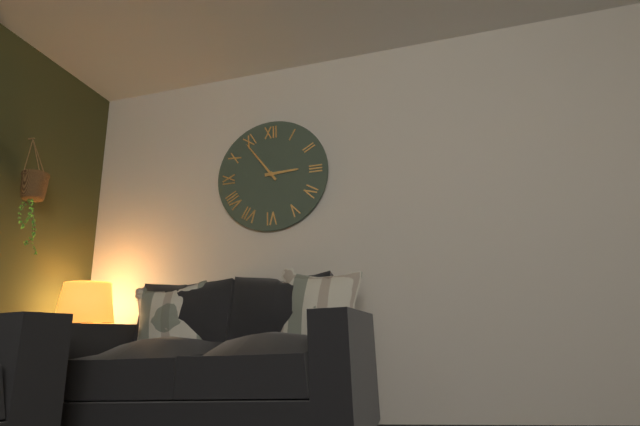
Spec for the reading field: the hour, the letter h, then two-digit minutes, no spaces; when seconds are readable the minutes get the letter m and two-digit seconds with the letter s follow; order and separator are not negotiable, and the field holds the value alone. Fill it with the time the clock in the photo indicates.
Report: 2h54
